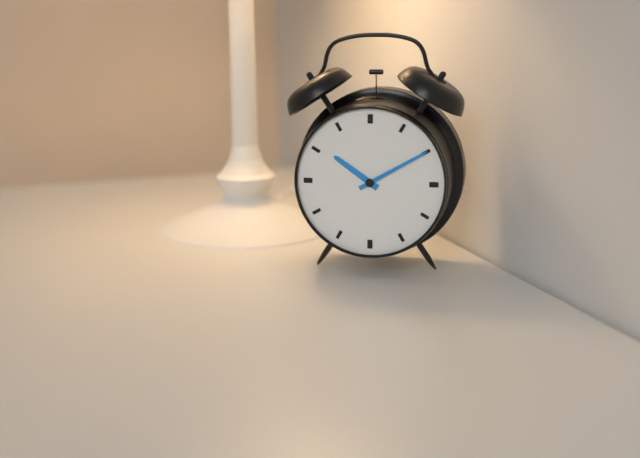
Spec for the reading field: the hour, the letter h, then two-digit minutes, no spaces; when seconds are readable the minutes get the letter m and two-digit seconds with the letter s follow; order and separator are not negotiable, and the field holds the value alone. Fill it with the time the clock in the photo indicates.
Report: 10h10
